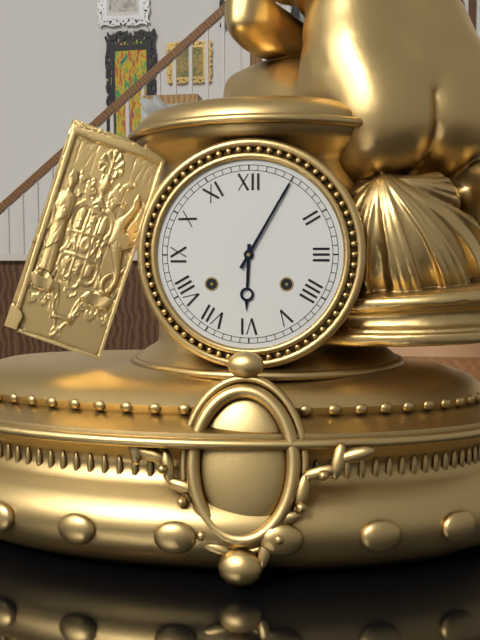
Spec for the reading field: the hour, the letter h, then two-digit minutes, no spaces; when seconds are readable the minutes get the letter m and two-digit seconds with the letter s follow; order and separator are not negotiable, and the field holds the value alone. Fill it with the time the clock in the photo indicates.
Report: 6h05
